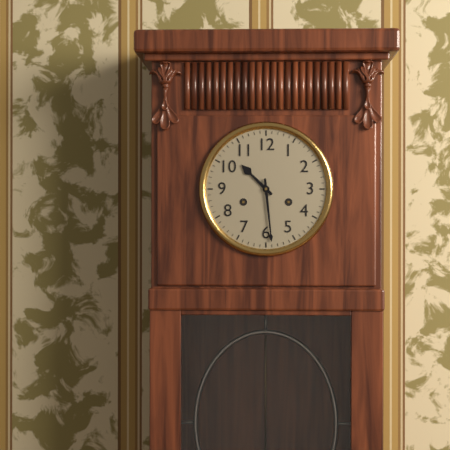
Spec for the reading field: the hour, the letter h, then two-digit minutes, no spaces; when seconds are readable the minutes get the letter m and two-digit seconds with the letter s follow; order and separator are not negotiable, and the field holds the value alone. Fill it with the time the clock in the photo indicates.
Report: 10h29
